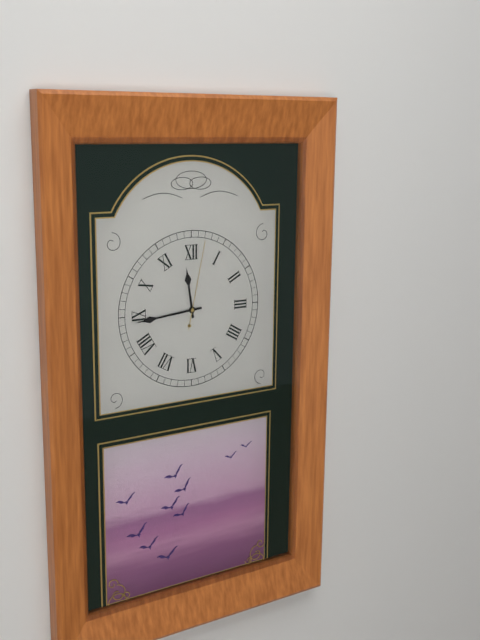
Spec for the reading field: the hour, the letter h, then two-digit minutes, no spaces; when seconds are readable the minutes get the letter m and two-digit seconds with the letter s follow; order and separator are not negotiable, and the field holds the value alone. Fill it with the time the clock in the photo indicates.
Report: 11h44m02s
